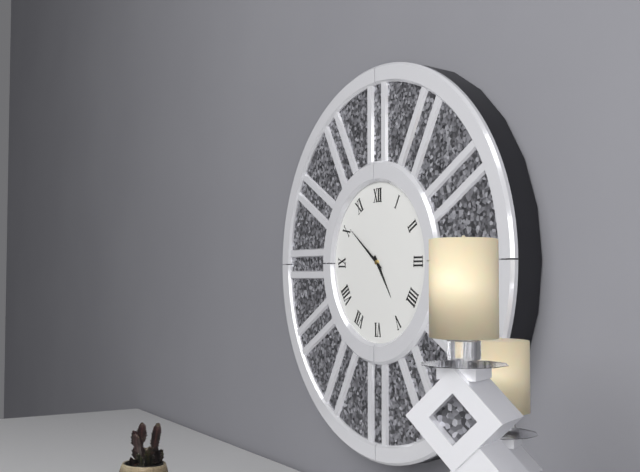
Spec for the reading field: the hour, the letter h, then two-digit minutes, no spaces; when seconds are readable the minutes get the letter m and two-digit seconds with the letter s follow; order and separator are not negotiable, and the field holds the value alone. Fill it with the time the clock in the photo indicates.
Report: 4h51
